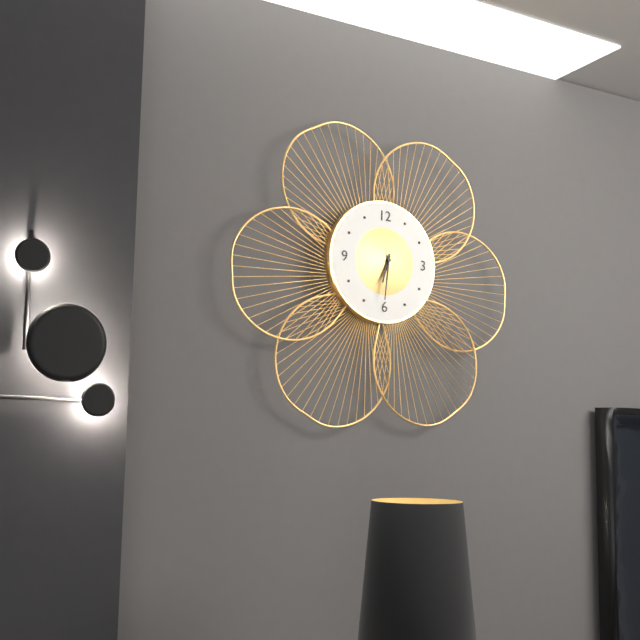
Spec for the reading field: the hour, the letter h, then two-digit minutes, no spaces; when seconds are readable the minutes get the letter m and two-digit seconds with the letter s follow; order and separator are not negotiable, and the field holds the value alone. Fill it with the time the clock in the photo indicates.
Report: 6h31
